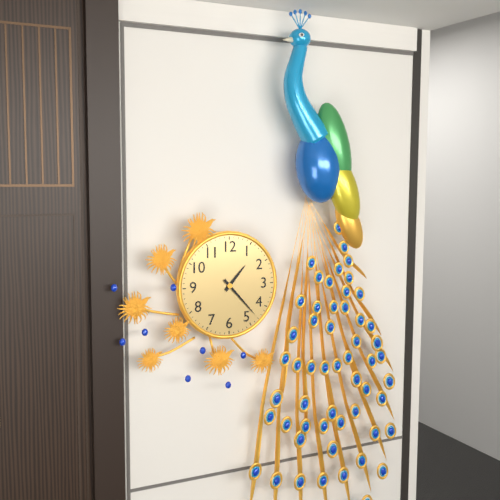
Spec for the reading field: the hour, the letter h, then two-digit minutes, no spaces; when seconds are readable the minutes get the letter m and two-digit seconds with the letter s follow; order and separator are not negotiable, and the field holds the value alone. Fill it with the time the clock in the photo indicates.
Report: 1h23
